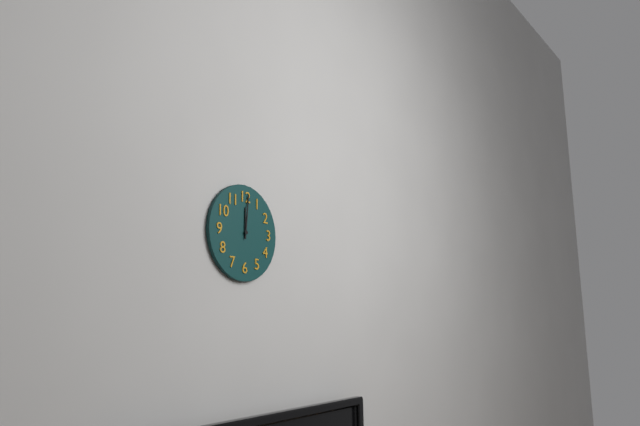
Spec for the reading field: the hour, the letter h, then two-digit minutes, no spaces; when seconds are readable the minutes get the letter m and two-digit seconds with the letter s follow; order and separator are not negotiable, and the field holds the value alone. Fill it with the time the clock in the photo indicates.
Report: 12h01
